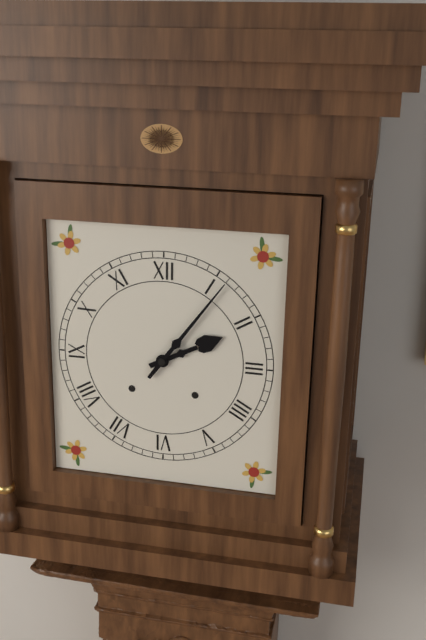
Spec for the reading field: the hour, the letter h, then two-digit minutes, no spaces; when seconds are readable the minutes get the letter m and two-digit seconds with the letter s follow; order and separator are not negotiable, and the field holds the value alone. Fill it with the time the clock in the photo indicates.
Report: 2h06
